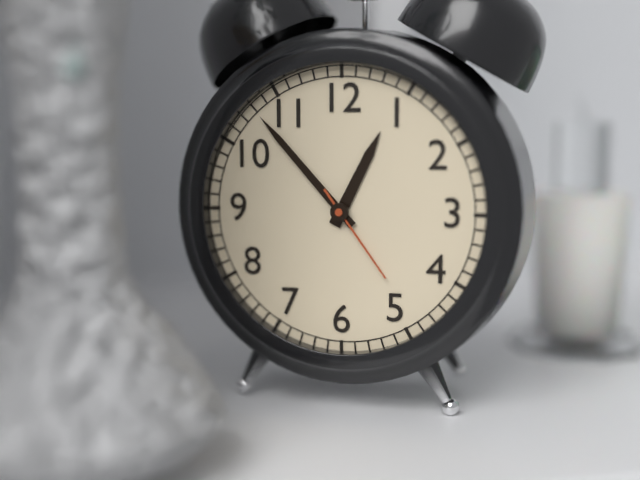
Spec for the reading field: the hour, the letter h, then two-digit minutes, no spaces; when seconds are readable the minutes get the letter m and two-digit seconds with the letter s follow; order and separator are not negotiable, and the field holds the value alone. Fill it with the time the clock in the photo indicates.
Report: 12h53m24s
